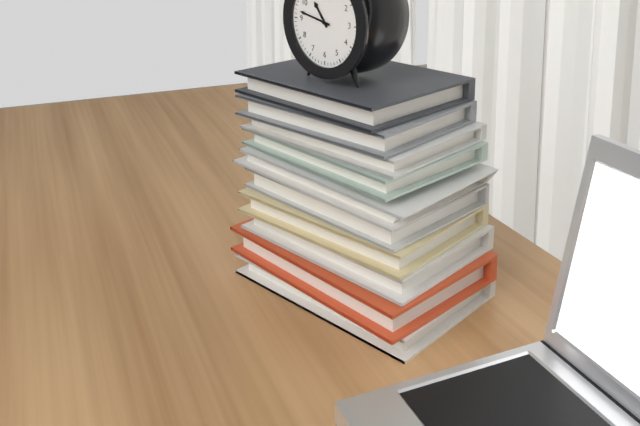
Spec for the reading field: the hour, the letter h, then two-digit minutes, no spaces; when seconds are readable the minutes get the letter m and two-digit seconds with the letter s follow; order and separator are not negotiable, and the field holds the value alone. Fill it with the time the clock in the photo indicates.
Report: 10h47
